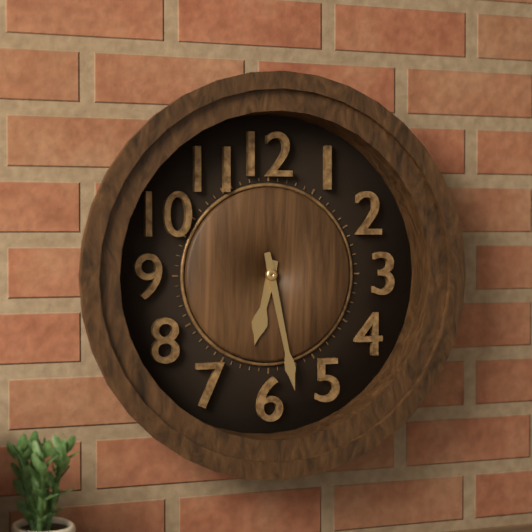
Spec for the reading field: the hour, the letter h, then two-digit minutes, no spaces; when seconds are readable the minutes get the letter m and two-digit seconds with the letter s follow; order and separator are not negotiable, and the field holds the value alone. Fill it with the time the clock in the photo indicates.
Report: 6h28
